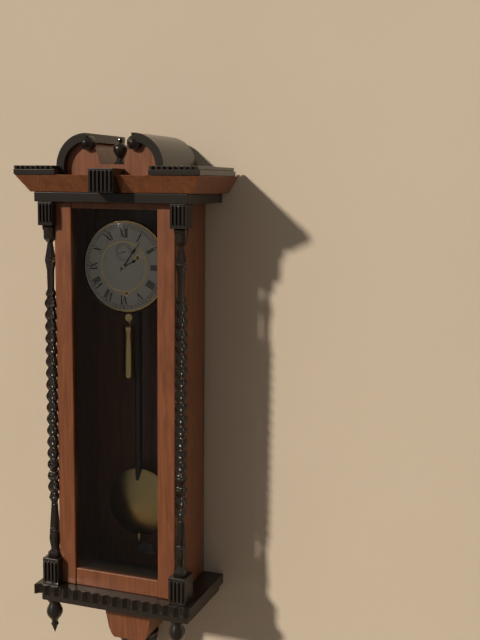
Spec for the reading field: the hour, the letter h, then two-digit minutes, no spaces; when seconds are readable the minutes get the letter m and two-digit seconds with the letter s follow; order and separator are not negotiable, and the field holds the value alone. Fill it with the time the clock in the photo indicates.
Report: 2h06
